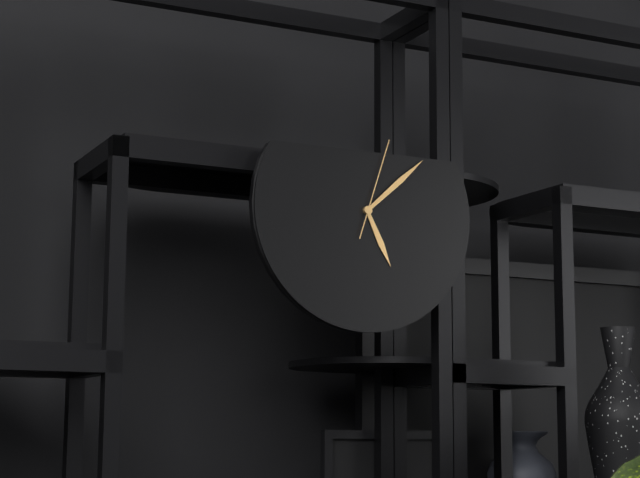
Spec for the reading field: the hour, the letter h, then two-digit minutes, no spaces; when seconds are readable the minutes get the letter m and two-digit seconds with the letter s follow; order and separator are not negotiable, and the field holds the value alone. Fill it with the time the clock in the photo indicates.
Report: 5h08m03s
